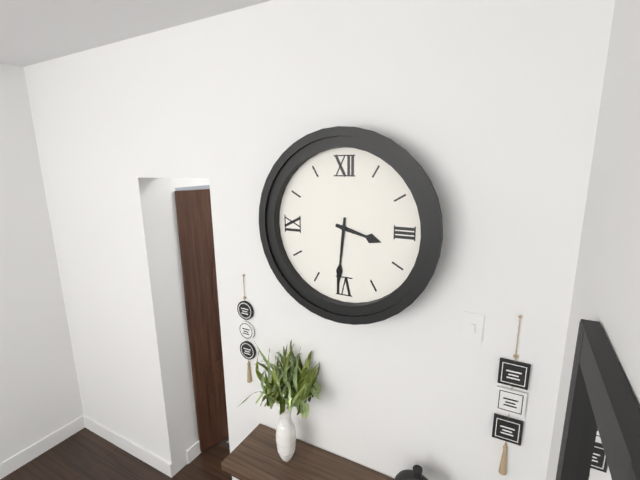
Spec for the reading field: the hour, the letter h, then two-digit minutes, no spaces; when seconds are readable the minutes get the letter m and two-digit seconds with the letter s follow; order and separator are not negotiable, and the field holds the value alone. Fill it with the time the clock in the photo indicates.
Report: 3h31
